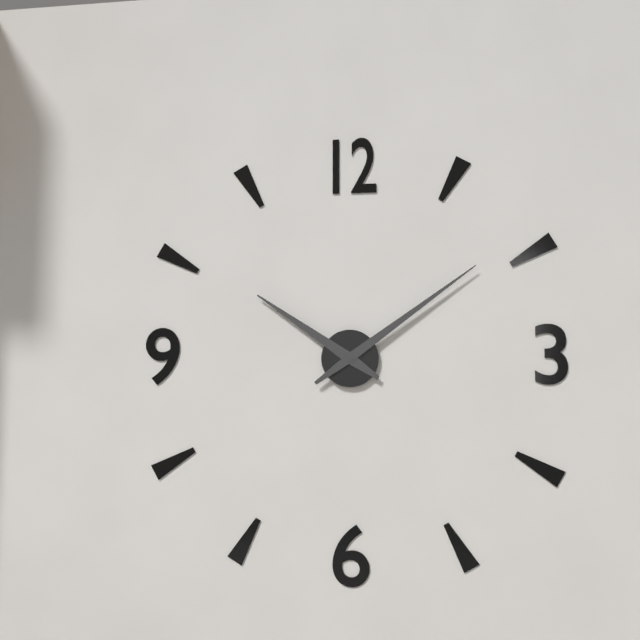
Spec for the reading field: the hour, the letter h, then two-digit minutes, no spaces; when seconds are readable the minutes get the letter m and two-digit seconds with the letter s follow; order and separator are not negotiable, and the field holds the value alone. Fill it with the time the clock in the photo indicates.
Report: 10h09
